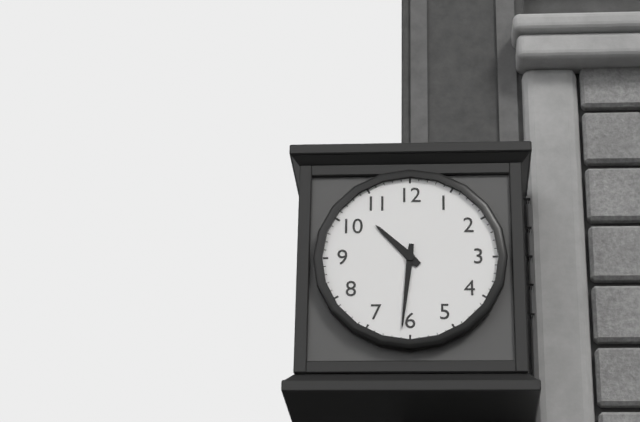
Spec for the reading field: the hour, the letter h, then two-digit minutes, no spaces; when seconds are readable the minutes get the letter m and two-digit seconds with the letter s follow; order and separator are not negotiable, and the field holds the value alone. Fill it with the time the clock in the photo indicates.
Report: 10h31
